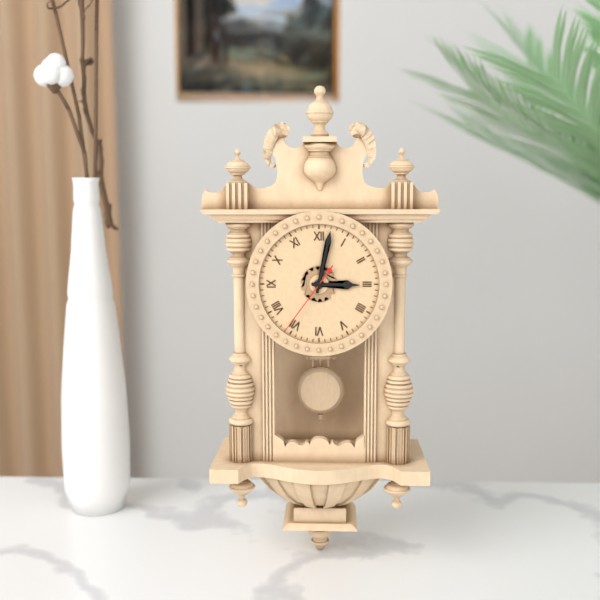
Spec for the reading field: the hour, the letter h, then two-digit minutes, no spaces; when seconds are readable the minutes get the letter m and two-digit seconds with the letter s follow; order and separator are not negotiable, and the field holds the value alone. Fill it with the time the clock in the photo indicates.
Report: 3h02m36s
